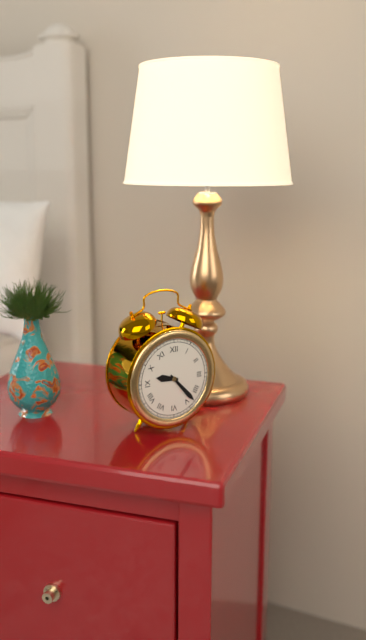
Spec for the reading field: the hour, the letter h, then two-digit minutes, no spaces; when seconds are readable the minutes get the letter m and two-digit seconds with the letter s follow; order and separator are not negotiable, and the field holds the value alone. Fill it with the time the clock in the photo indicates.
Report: 9h23
